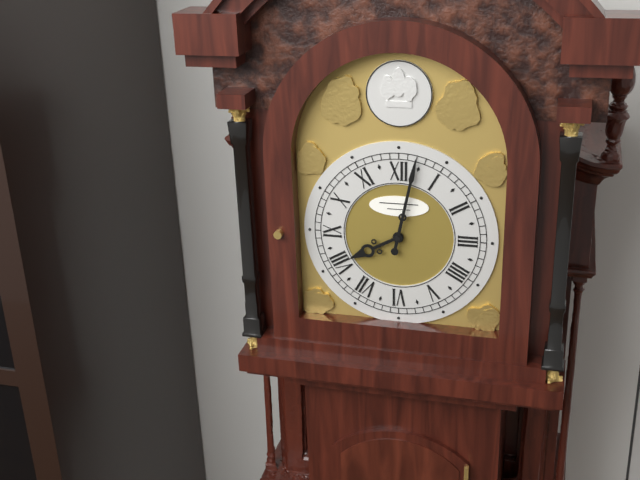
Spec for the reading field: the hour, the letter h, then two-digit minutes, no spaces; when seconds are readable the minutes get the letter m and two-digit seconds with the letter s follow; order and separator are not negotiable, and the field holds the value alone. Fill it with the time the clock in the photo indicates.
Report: 8h02
